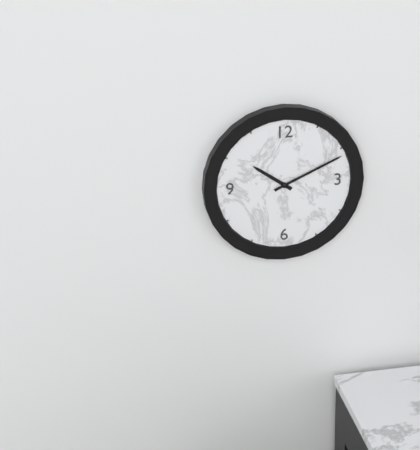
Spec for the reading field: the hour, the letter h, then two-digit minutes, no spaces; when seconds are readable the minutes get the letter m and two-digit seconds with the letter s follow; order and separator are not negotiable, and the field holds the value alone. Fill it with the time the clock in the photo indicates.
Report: 10h11
